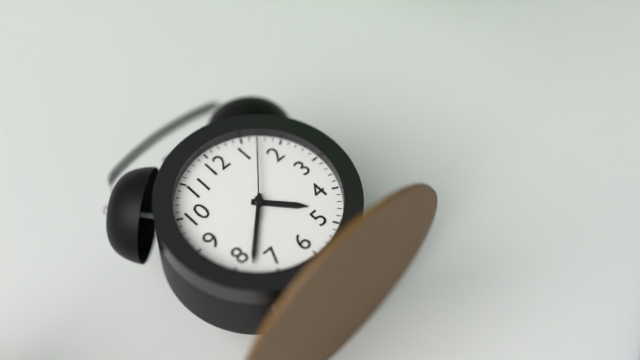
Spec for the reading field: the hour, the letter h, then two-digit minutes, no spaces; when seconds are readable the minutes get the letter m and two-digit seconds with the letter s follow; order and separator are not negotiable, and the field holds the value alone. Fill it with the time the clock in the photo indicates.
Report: 4h38m07s
